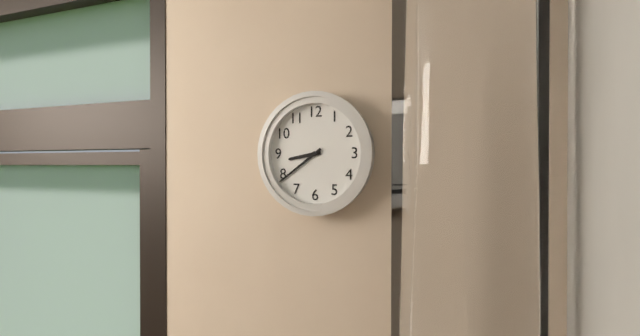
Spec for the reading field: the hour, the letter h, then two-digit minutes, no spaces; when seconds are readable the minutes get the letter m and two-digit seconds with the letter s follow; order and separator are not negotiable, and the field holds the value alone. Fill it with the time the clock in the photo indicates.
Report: 8h39
